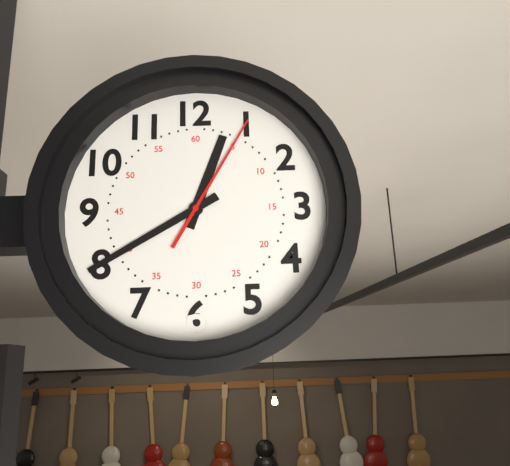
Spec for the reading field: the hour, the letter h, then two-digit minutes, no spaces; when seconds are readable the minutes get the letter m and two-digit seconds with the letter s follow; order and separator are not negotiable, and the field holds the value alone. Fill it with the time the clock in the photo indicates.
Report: 12h40m05s
